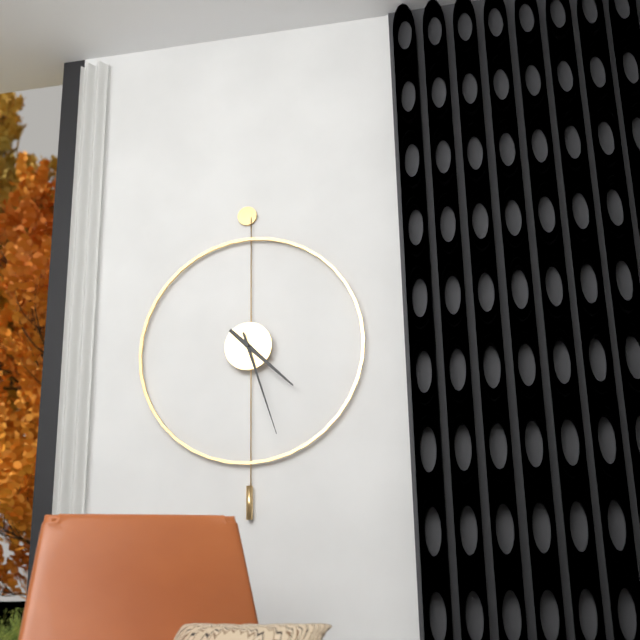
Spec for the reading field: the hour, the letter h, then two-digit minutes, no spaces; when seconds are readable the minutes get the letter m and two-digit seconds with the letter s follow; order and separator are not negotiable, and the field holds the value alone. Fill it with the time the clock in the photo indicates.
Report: 4h27
